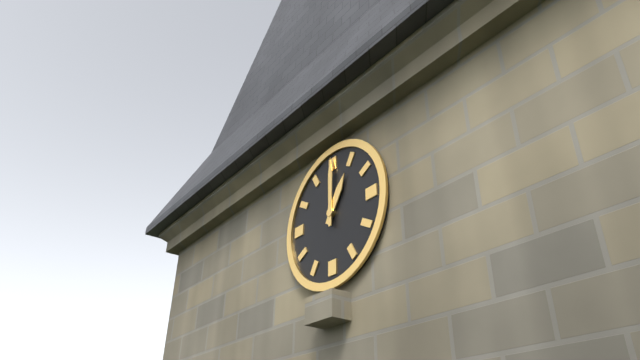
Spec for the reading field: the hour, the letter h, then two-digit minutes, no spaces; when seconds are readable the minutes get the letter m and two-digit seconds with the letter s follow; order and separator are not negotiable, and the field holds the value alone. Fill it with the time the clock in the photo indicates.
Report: 1h00
